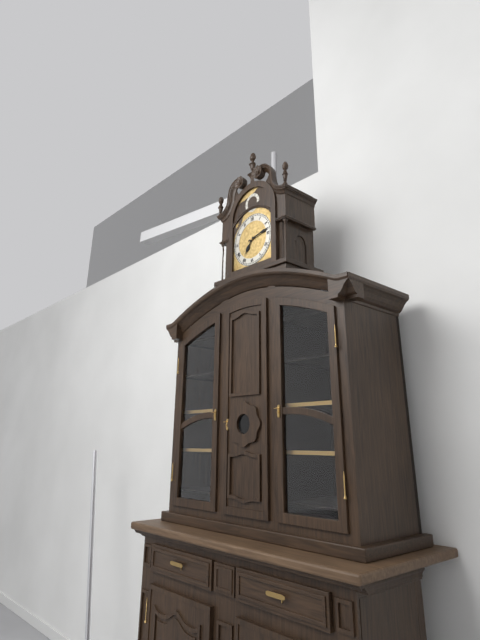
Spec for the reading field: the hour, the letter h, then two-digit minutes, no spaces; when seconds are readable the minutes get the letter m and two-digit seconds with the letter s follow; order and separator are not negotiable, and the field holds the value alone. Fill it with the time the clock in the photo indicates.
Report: 7h13
